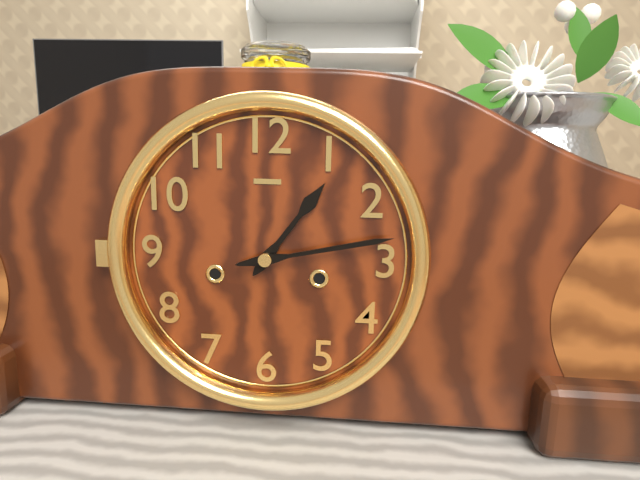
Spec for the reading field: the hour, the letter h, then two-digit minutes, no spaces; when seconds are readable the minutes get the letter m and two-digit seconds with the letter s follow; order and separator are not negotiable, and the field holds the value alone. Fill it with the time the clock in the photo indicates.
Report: 1h13
